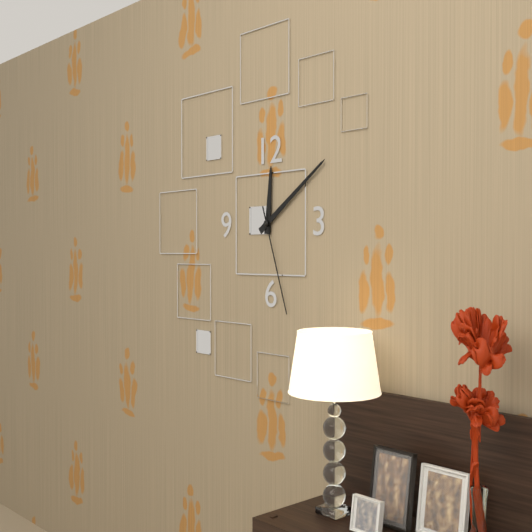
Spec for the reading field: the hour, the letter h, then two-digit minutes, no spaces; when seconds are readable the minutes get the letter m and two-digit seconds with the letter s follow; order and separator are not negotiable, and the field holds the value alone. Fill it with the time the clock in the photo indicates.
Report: 12h09m27s
